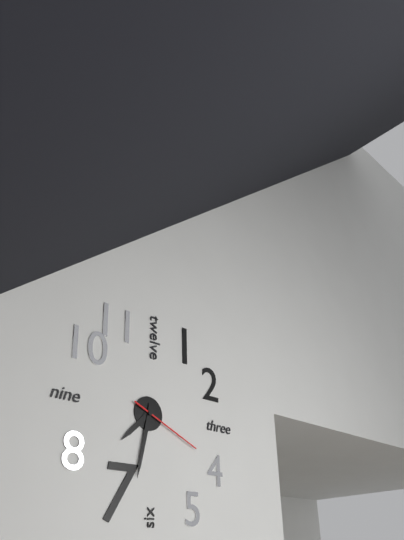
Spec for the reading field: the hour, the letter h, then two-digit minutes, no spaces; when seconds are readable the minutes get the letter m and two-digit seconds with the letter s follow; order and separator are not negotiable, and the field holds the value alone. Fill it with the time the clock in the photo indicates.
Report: 7h32m19s
